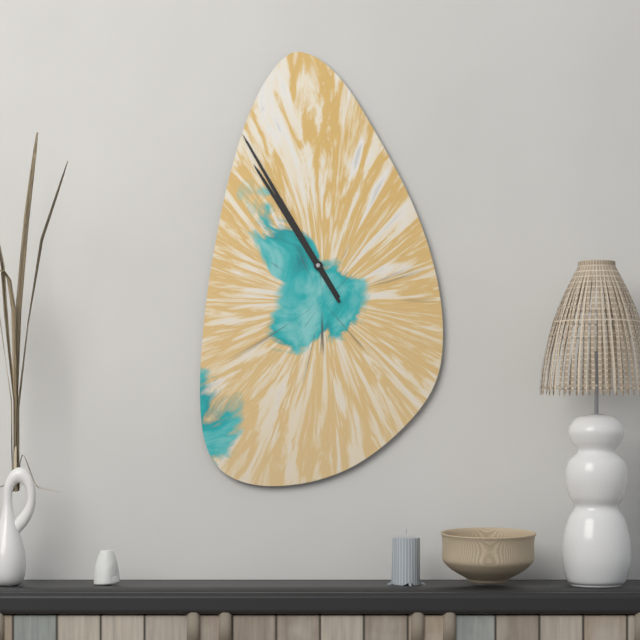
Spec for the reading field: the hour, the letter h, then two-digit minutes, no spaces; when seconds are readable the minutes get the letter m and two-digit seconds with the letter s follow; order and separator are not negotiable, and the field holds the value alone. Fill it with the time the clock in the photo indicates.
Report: 10h55
